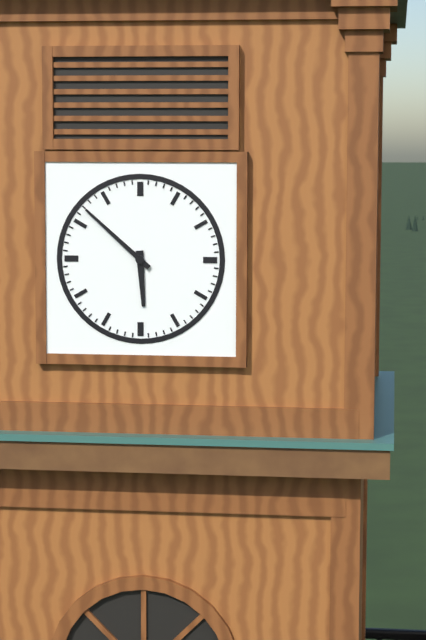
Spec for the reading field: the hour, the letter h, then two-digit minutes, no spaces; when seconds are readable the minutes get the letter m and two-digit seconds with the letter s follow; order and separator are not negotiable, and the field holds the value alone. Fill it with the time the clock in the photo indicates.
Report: 5h52
